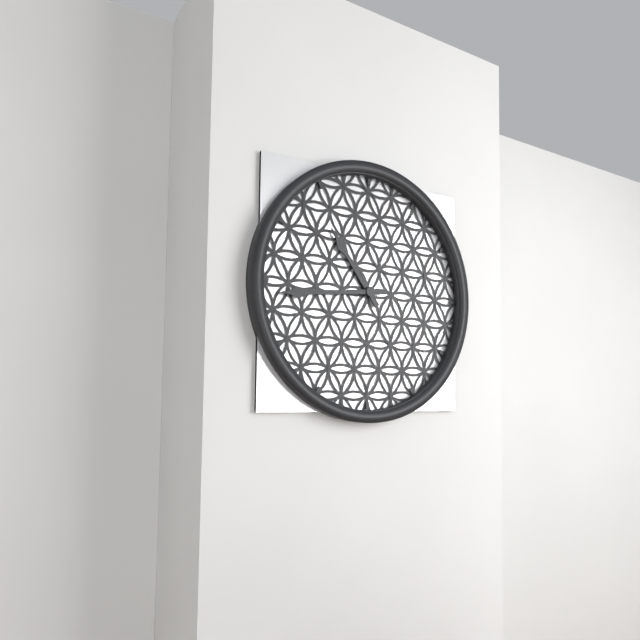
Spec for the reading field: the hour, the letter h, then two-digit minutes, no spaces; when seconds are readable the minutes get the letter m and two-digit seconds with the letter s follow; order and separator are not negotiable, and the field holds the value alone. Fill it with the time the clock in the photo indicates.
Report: 10h44
